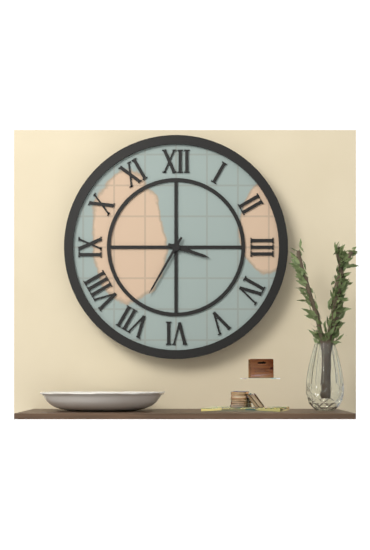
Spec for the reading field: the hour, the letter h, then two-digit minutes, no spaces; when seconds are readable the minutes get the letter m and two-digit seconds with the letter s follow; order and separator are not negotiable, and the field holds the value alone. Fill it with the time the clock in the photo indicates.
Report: 3h35
